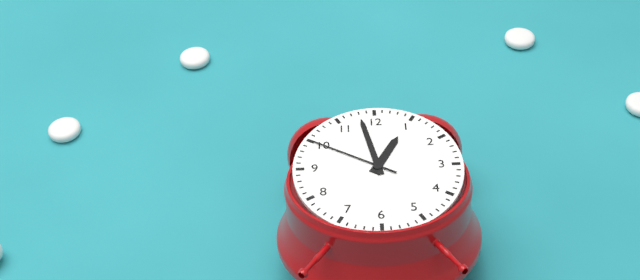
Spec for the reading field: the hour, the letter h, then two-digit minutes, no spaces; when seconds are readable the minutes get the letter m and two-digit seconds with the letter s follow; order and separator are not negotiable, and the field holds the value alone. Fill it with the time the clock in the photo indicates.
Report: 12h58m50s
